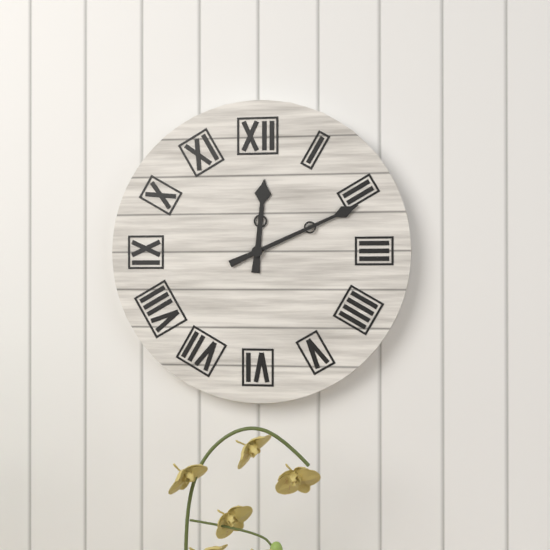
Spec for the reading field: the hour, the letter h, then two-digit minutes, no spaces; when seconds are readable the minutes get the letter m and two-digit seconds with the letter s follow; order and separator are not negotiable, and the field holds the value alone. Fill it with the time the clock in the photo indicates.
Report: 12h11
